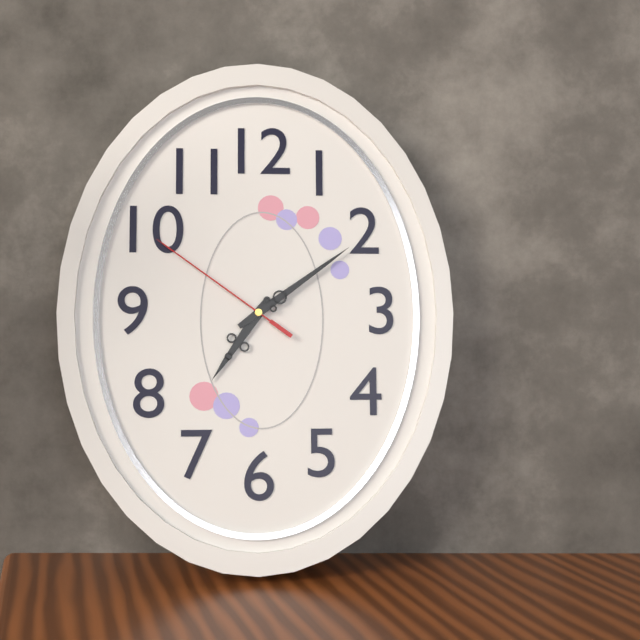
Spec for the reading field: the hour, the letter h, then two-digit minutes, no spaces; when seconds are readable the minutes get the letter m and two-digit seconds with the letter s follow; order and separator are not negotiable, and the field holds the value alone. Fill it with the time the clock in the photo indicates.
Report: 7h09m51s
